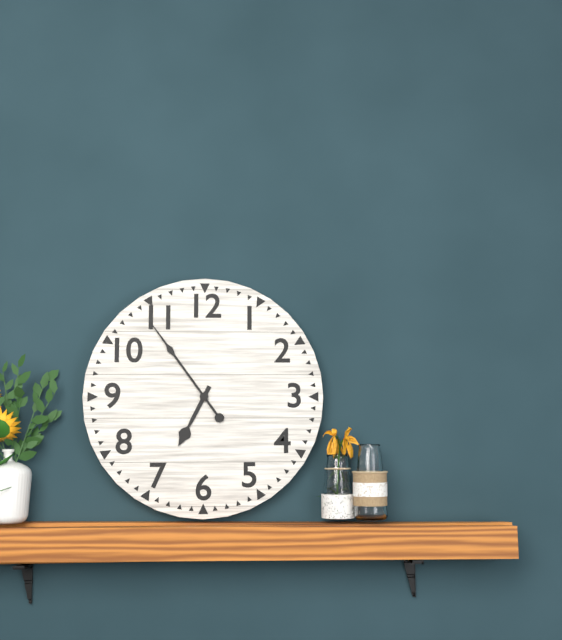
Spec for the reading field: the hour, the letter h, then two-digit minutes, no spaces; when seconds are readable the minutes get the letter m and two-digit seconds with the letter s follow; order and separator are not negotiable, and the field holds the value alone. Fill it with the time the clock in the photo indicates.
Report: 6h54
